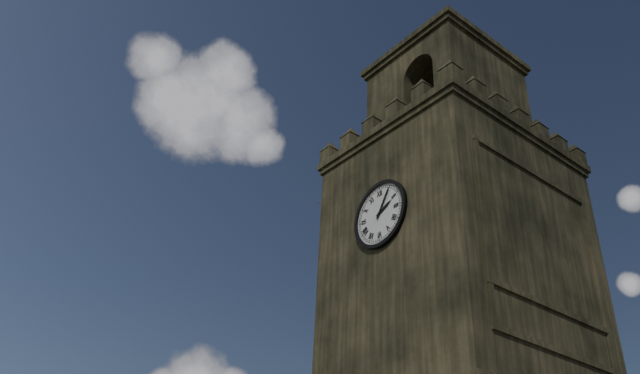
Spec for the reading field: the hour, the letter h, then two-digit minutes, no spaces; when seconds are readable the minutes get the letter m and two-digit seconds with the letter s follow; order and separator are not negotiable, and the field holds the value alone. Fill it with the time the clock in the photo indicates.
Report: 2h05
